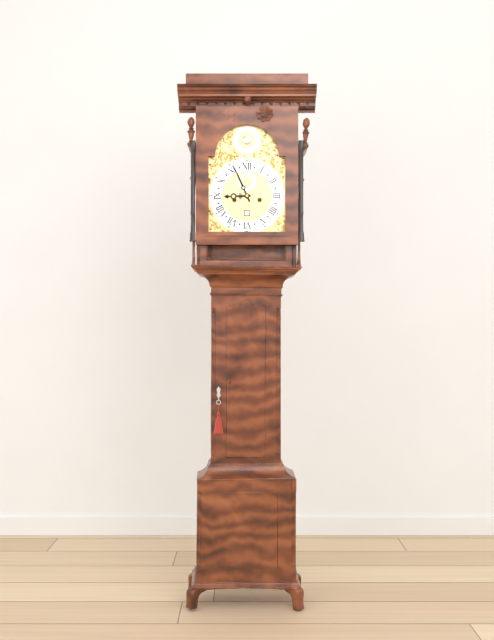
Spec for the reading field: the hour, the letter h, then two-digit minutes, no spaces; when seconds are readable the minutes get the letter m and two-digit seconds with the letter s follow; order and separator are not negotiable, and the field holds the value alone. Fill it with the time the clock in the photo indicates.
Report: 8h56
